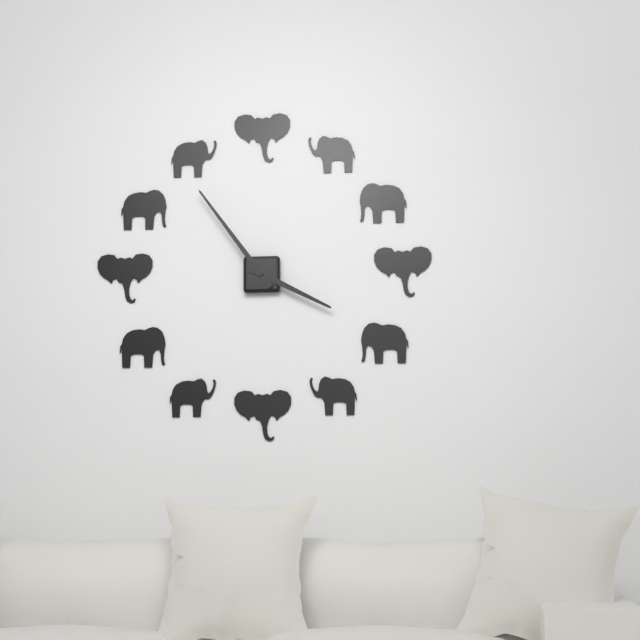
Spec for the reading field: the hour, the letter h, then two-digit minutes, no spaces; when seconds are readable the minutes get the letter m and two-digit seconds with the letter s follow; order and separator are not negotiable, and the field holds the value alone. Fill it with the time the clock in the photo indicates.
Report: 3h54
